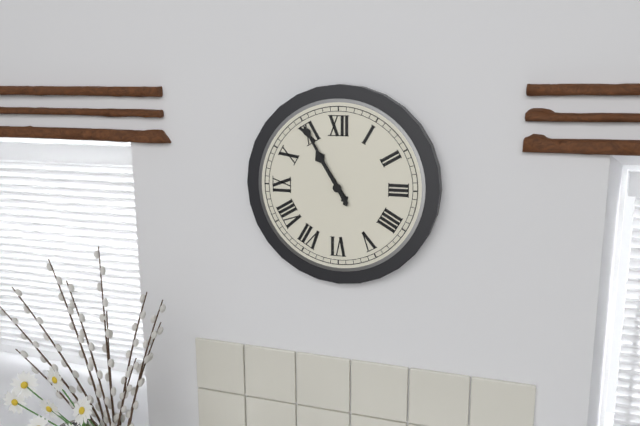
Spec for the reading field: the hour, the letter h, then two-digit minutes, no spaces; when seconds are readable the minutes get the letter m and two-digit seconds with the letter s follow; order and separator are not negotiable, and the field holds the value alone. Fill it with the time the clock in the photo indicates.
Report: 10h55
